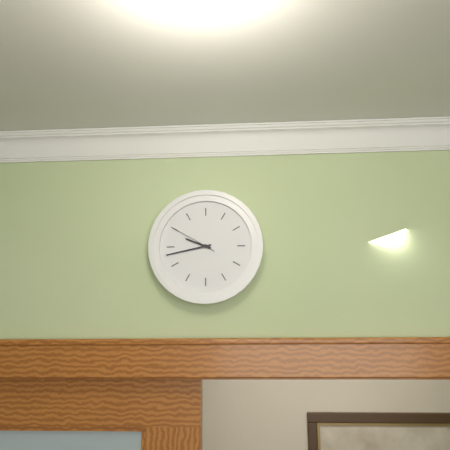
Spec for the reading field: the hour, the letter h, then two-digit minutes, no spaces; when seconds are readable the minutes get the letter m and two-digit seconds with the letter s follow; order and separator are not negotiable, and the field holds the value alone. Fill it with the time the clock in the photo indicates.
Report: 9h43m50s
